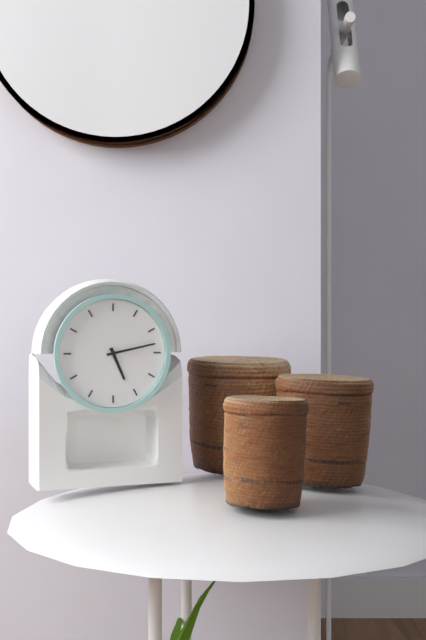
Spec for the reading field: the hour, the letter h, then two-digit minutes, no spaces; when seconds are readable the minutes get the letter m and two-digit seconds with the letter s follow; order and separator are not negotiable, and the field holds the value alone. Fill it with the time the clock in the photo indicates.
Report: 5h13
